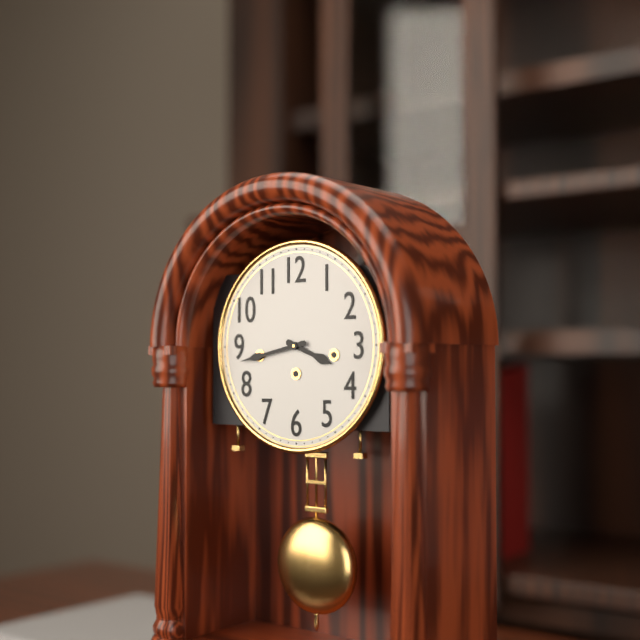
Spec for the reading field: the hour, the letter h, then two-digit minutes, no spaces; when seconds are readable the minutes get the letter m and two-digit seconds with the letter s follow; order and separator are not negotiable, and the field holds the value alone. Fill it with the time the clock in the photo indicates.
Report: 3h43
